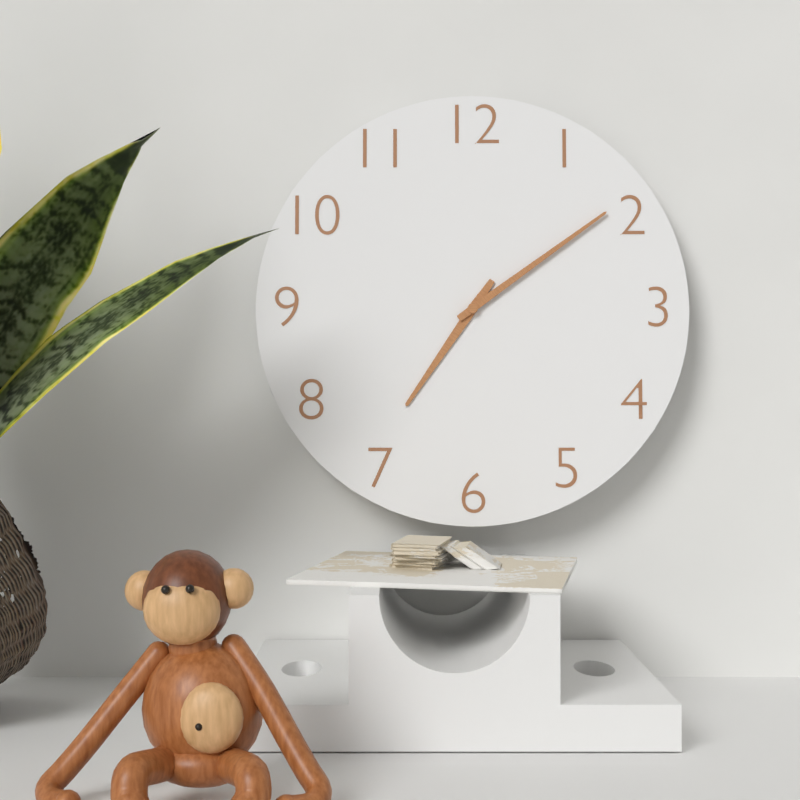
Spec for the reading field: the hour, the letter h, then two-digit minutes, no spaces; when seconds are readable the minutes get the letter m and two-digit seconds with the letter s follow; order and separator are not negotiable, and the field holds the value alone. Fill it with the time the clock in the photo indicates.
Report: 7h09
